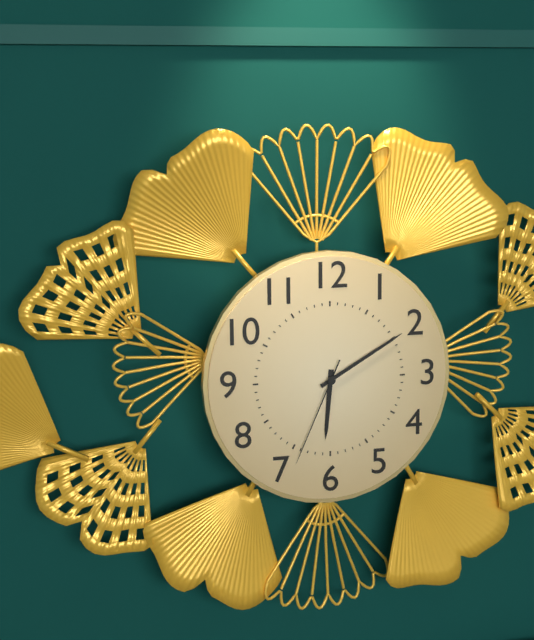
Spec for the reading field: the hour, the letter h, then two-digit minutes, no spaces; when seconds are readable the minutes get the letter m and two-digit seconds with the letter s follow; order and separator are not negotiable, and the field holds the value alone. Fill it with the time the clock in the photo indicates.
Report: 6h10m34s
